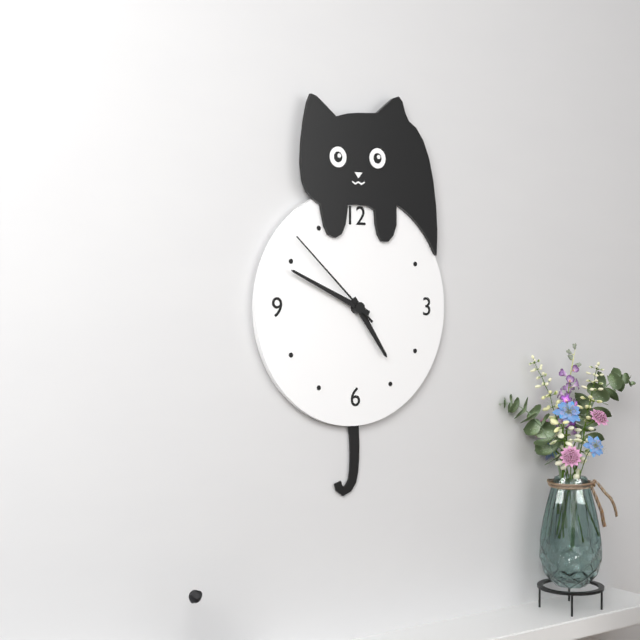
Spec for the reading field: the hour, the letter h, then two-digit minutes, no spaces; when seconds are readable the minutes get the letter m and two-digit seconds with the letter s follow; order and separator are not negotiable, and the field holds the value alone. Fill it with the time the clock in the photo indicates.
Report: 4h49m52s
